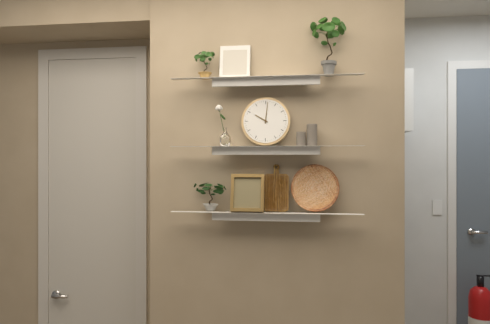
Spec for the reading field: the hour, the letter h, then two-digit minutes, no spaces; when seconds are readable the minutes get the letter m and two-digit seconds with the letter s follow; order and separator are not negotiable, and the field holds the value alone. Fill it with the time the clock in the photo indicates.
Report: 10h01
